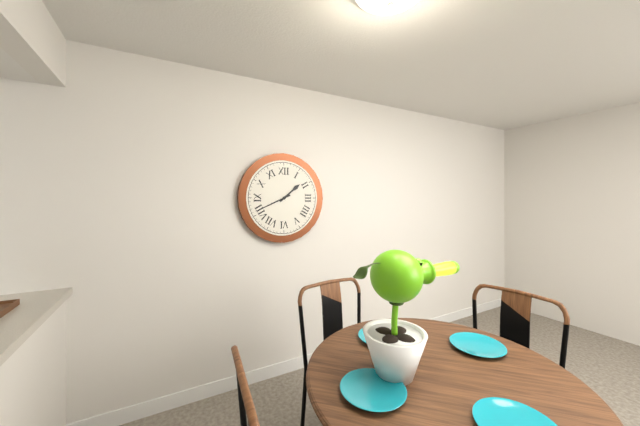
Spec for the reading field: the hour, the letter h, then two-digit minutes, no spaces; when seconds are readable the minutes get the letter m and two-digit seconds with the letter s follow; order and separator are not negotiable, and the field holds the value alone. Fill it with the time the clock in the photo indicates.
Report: 1h41
